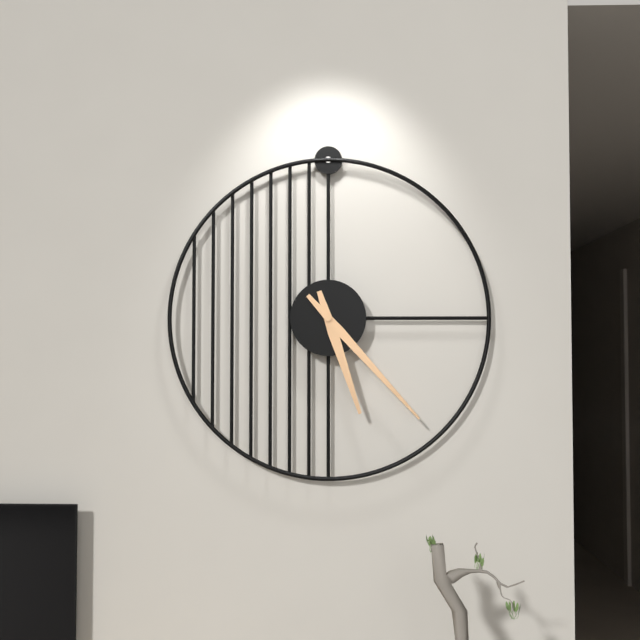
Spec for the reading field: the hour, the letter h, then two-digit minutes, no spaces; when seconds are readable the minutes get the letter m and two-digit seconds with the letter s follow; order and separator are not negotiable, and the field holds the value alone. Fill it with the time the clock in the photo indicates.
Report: 5h23
